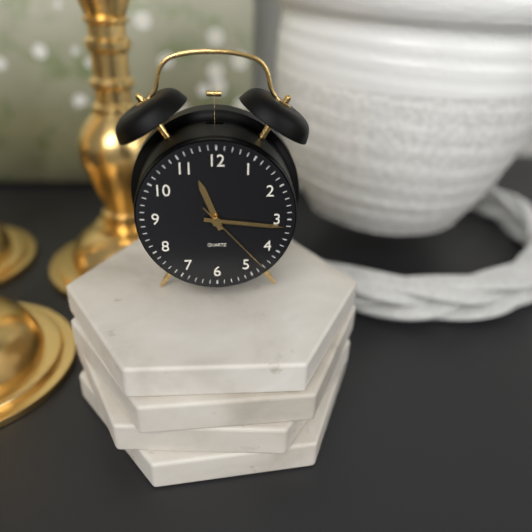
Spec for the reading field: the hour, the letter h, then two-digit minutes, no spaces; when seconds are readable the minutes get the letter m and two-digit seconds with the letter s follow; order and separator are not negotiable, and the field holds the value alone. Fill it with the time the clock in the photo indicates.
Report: 11h16m23s
